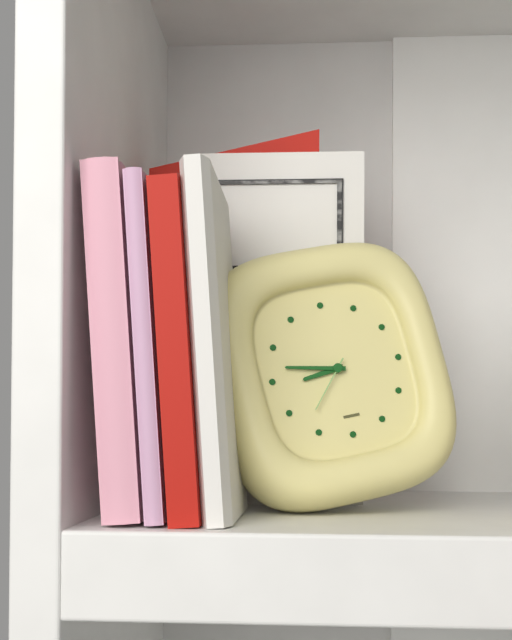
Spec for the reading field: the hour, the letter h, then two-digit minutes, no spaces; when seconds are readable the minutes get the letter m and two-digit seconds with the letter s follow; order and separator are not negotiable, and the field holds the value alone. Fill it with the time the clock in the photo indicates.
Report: 8h47m37s
